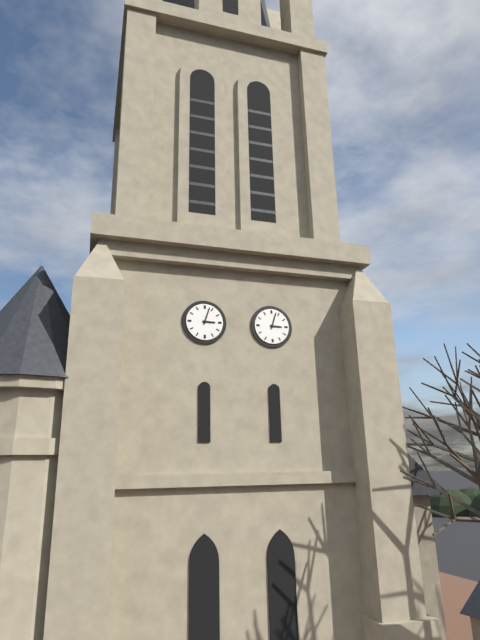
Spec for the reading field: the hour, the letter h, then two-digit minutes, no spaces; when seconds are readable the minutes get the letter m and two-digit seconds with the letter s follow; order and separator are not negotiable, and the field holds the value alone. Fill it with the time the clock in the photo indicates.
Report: 3h03
